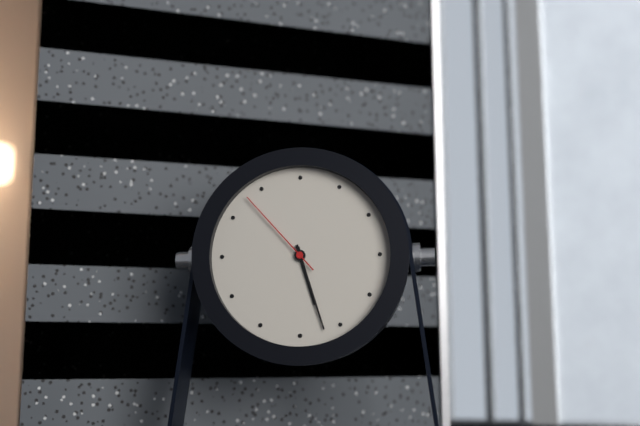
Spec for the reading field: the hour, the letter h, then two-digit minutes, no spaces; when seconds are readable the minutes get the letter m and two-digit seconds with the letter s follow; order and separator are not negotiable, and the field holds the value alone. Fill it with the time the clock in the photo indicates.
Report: 5h27m53s
